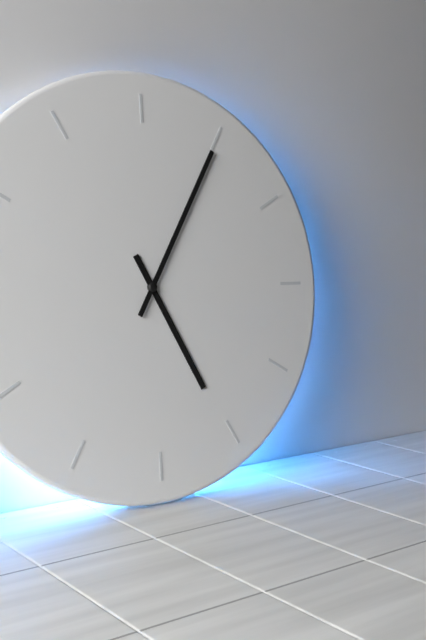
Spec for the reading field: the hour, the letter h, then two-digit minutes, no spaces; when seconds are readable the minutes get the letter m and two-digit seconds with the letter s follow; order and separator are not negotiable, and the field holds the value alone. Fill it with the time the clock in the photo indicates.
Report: 5h05
